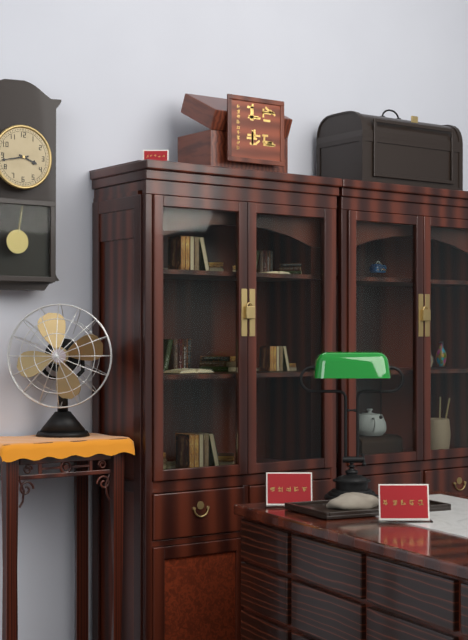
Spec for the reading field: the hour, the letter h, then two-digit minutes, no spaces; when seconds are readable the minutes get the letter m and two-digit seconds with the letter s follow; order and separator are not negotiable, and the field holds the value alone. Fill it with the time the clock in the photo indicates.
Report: 3h43
